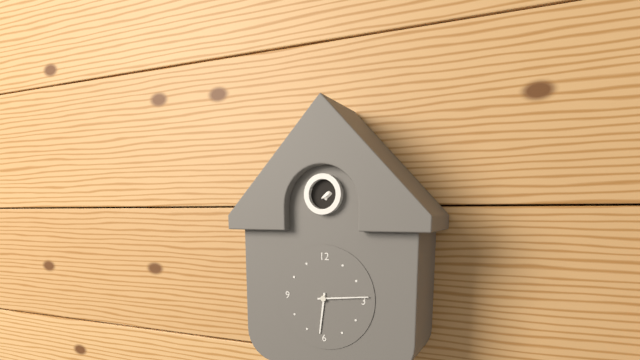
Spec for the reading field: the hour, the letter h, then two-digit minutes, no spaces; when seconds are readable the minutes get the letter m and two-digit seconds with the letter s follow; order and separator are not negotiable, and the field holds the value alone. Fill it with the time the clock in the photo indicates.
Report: 6h14
